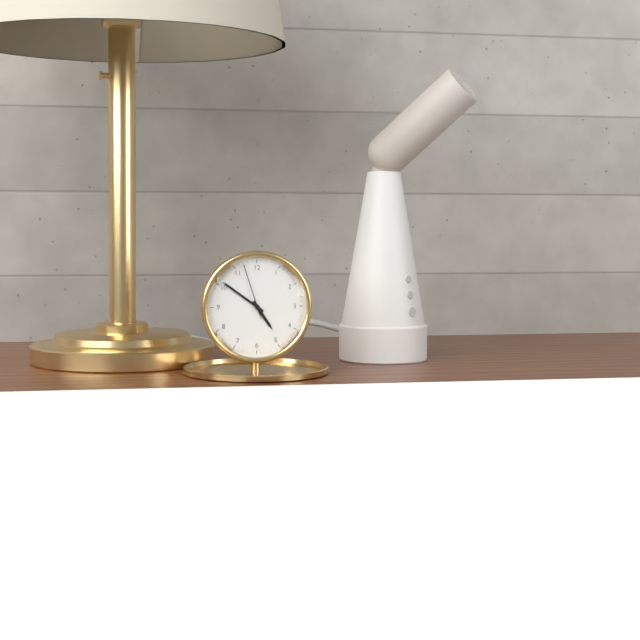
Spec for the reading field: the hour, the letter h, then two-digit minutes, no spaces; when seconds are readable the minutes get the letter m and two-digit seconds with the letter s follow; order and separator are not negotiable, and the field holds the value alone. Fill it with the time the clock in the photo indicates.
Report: 4h51m57s
